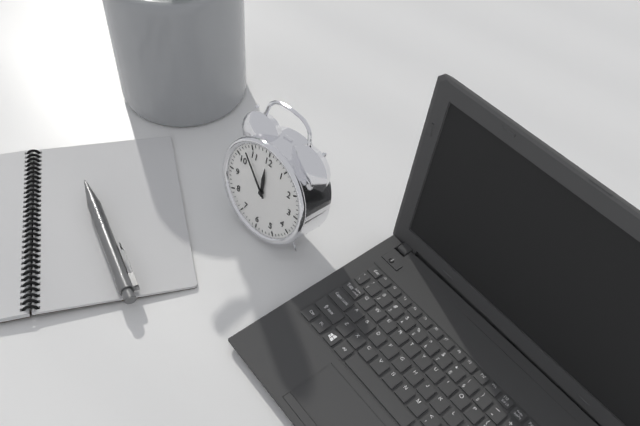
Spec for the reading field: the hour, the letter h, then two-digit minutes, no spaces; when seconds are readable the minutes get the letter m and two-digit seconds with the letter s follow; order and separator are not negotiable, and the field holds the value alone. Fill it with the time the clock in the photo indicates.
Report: 11h53
